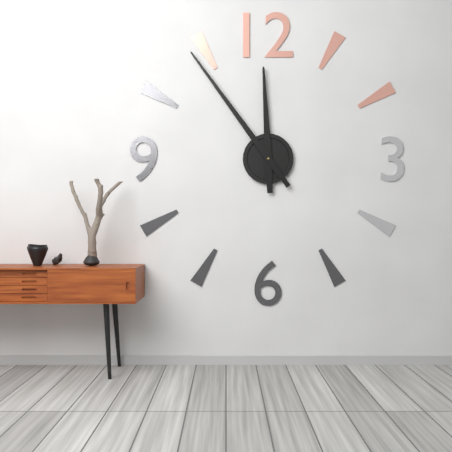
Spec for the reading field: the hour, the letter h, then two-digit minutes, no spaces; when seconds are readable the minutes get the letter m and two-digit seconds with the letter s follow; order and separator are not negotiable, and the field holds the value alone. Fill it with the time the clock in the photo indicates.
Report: 11h54
